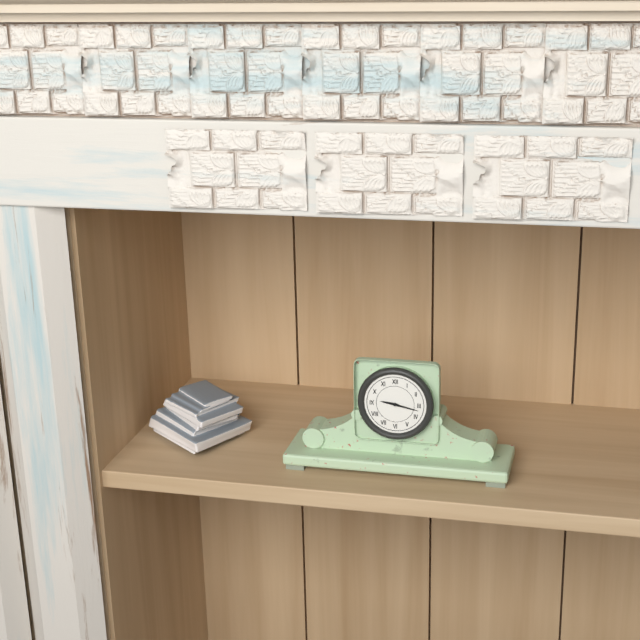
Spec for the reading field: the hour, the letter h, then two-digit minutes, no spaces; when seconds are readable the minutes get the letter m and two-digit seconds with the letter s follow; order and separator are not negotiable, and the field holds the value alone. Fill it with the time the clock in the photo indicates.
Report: 9h17
